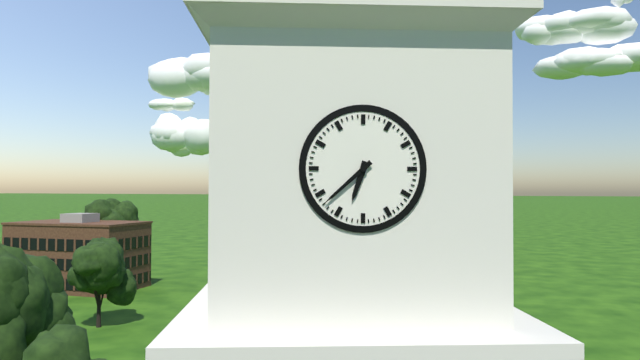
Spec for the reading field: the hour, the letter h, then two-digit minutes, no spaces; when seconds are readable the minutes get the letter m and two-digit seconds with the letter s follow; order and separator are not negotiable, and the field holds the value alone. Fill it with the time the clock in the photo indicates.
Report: 6h38
